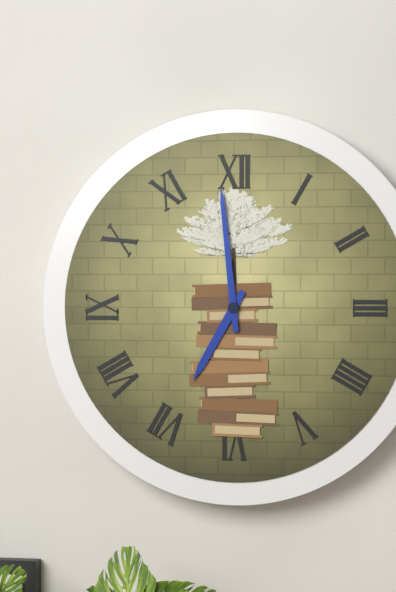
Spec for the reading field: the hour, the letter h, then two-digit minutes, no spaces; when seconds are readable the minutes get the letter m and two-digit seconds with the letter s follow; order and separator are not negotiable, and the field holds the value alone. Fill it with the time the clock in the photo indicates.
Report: 6h59
